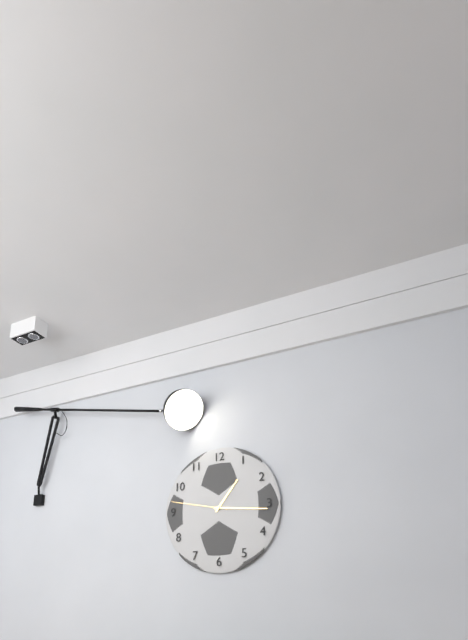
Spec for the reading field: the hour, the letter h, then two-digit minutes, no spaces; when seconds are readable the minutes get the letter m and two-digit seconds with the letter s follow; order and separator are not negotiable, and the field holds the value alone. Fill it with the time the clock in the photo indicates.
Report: 1h16m47s
